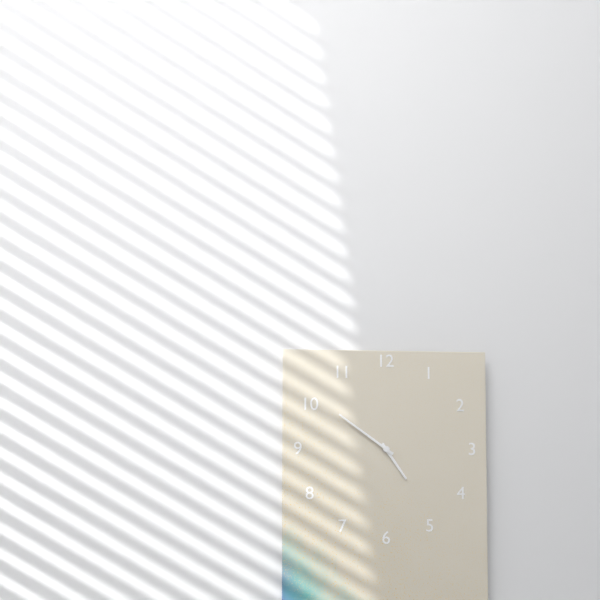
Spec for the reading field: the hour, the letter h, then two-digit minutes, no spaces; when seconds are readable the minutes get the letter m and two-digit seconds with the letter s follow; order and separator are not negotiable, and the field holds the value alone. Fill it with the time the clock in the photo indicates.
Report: 4h51
